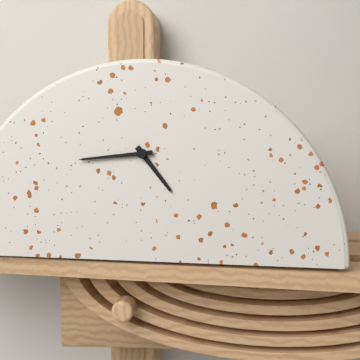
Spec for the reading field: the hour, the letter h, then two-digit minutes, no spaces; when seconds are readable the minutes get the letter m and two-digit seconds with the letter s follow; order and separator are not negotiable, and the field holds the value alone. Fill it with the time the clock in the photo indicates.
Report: 4h44
